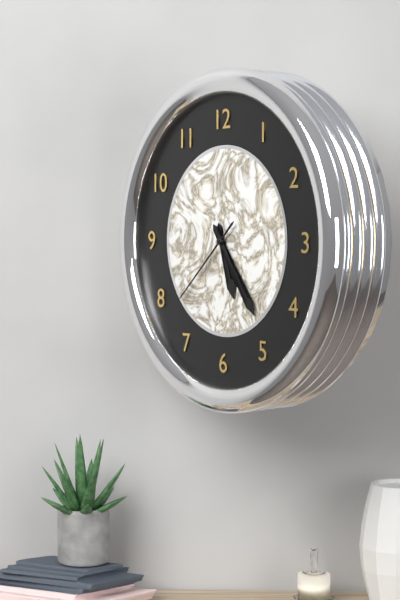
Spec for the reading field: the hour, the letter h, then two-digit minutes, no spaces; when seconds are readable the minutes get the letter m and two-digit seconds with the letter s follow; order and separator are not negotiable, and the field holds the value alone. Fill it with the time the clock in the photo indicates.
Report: 5h24m38s
